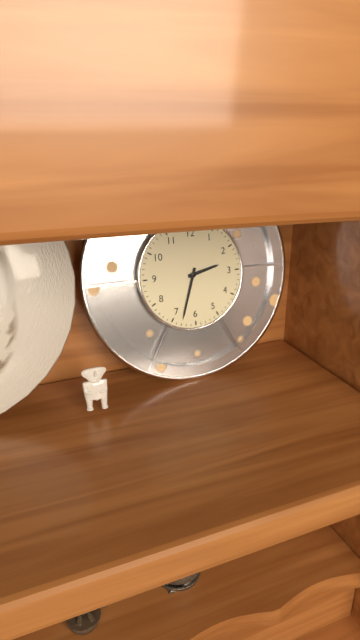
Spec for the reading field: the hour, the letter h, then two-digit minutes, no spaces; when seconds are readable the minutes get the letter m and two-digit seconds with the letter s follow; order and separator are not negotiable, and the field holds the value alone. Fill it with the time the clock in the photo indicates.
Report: 2h33
